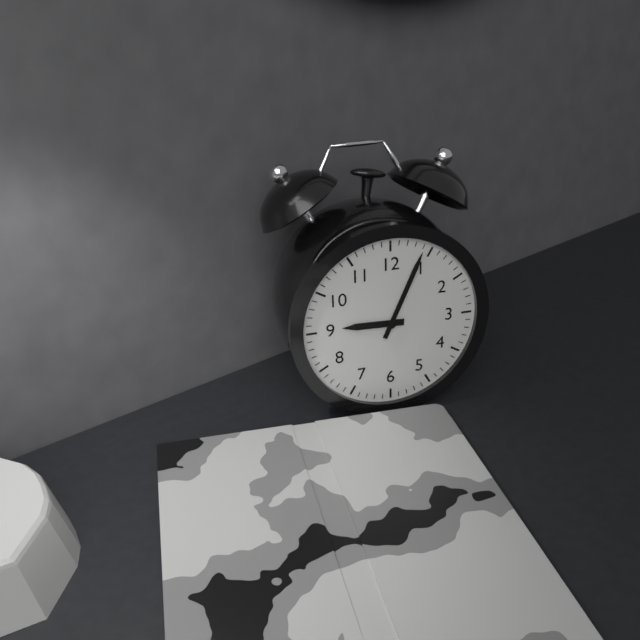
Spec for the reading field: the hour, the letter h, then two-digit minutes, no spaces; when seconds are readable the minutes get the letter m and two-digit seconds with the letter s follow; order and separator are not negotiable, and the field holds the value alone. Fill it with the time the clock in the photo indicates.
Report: 9h04
